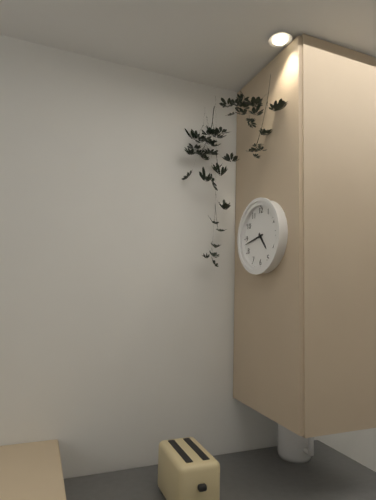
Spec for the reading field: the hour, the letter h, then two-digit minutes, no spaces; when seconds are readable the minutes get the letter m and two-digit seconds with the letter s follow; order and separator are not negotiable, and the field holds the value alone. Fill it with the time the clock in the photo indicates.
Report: 4h43
